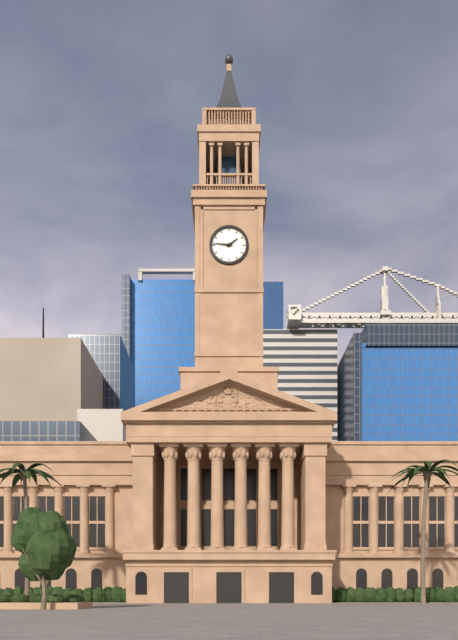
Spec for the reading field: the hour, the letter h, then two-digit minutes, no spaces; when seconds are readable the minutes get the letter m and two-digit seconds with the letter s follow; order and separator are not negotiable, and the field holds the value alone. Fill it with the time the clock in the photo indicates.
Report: 1h46
